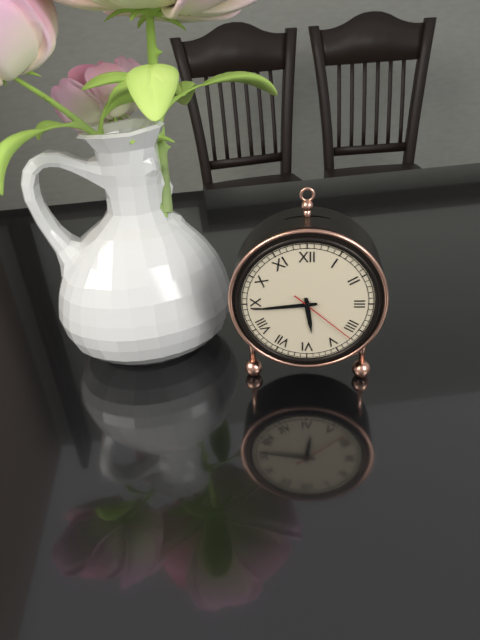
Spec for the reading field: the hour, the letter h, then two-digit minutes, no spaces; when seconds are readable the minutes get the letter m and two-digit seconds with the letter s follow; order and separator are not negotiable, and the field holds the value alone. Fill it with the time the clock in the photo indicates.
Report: 5h44m22s
